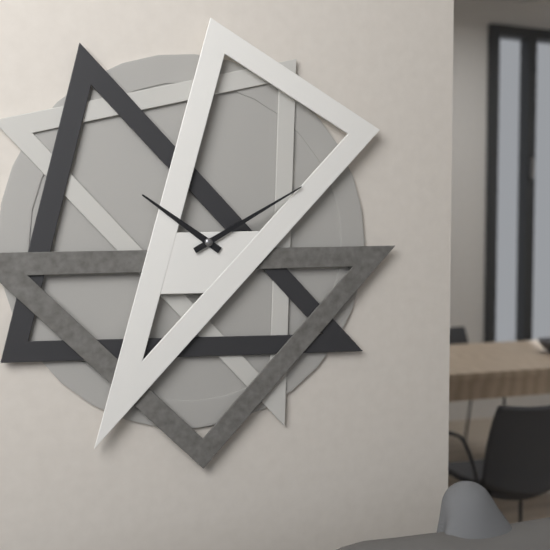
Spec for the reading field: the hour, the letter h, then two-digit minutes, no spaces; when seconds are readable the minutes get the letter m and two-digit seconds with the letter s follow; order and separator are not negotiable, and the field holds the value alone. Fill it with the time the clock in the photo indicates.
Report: 10h10
